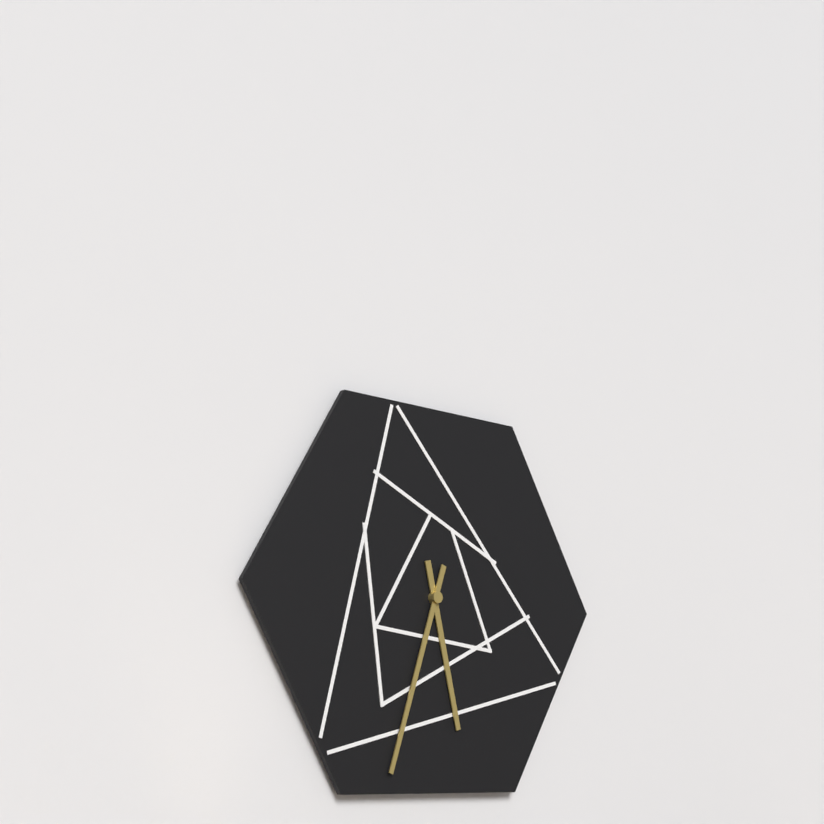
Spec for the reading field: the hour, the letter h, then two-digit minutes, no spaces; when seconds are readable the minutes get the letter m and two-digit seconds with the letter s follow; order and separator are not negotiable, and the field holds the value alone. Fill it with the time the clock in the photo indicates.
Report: 5h33
